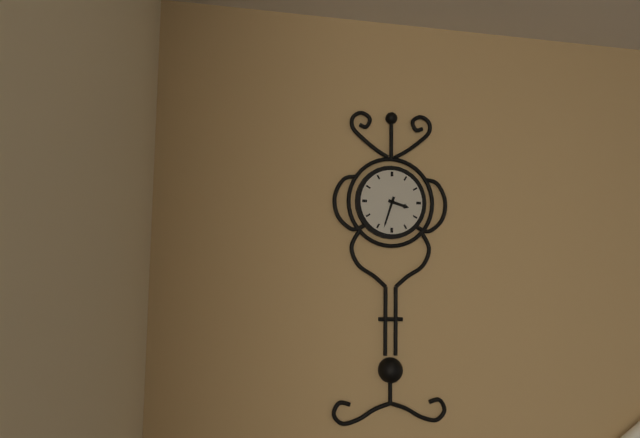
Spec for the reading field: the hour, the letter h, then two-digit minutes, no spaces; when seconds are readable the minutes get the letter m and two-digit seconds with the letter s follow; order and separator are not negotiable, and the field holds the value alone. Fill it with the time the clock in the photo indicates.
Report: 3h33
